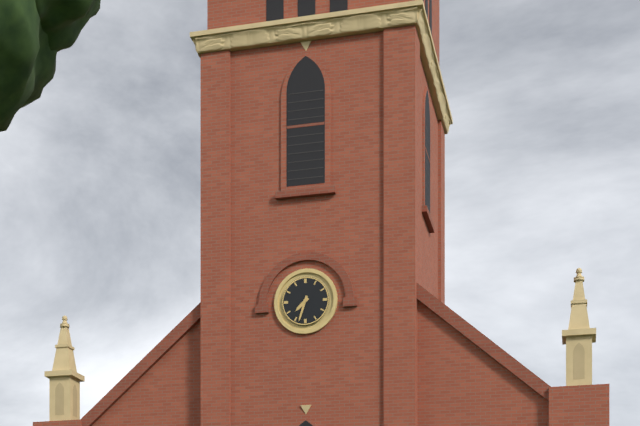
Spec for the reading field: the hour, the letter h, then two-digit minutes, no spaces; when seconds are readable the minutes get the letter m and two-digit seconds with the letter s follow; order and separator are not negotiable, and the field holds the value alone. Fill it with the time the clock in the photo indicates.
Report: 7h33
